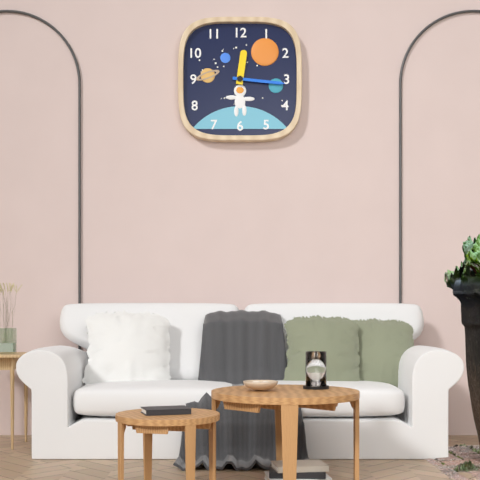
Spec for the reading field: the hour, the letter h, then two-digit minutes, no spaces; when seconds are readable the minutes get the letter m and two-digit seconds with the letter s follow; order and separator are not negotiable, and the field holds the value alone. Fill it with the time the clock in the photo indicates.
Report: 12h16
